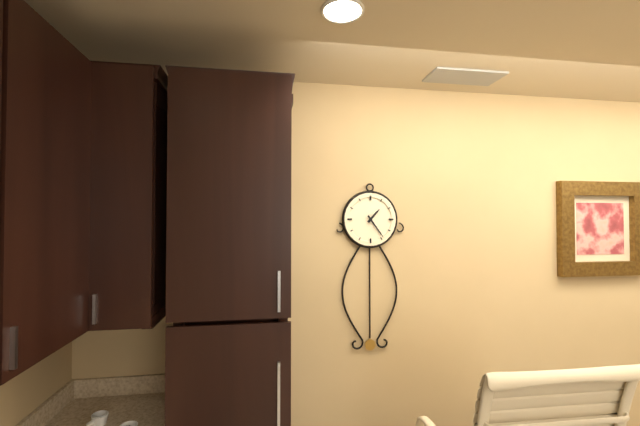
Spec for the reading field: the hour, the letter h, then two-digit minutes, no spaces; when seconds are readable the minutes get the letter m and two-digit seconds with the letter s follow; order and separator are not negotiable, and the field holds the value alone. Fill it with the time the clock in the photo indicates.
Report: 1h24
